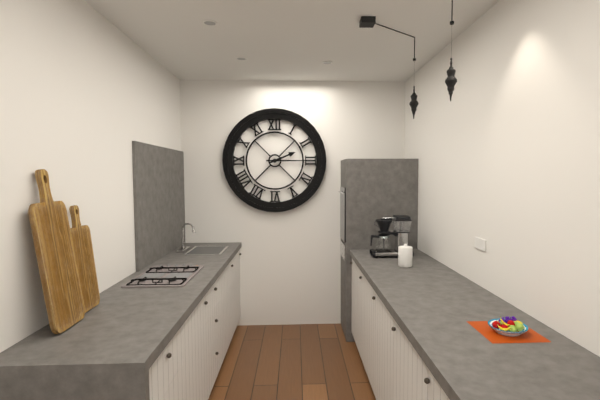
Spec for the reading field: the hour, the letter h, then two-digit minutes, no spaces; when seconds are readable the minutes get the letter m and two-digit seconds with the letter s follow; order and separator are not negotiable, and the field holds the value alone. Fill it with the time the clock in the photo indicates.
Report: 2h15
